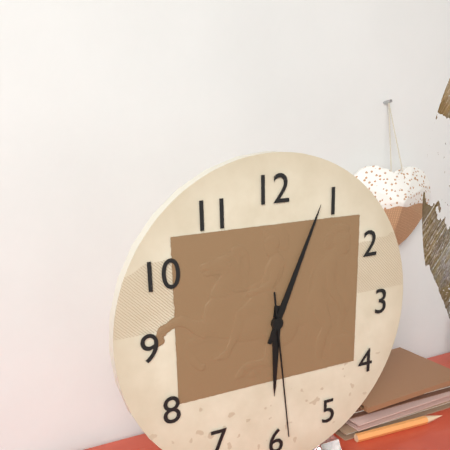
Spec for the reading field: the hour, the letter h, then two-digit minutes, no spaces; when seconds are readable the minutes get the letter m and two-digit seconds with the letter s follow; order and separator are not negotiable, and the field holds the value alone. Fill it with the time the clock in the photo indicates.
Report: 6h04m29s
